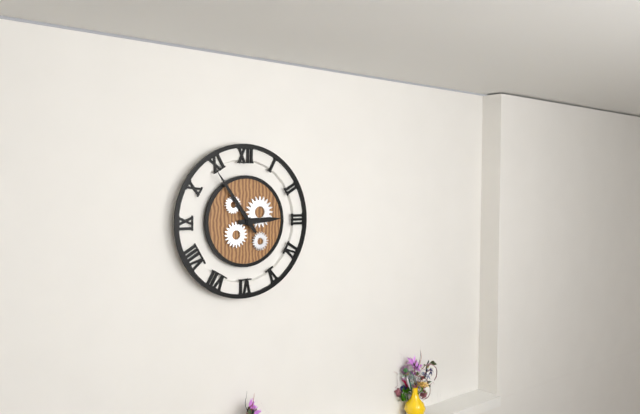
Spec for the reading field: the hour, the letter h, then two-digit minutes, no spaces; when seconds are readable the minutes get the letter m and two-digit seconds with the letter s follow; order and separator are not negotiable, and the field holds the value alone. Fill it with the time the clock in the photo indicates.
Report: 2h54
